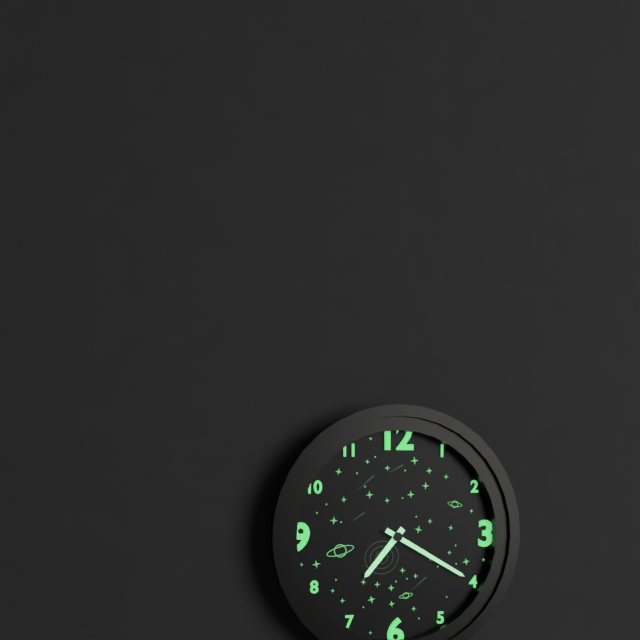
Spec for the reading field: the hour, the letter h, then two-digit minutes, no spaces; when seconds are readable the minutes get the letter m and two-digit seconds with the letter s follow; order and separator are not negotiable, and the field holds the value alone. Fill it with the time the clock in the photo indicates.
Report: 7h20
